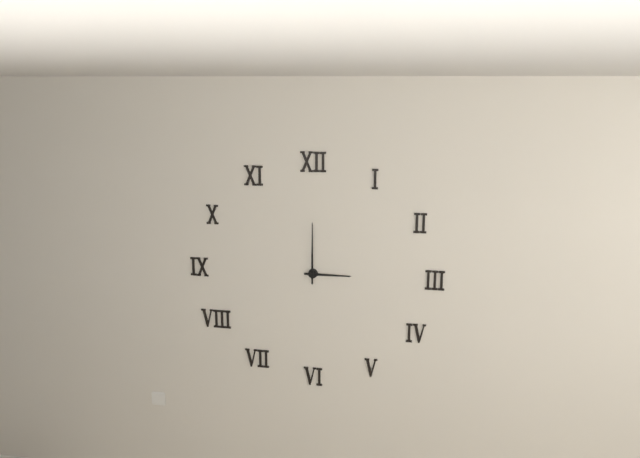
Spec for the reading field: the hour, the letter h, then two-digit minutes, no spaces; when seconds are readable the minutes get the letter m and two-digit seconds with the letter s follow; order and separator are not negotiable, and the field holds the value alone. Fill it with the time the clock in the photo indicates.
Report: 3h00
